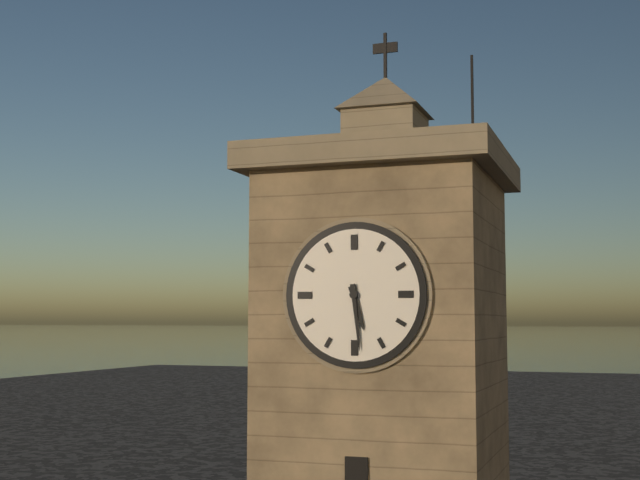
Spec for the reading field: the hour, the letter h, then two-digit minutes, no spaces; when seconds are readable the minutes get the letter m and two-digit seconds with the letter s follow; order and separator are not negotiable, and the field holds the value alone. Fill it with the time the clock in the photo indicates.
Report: 5h29
